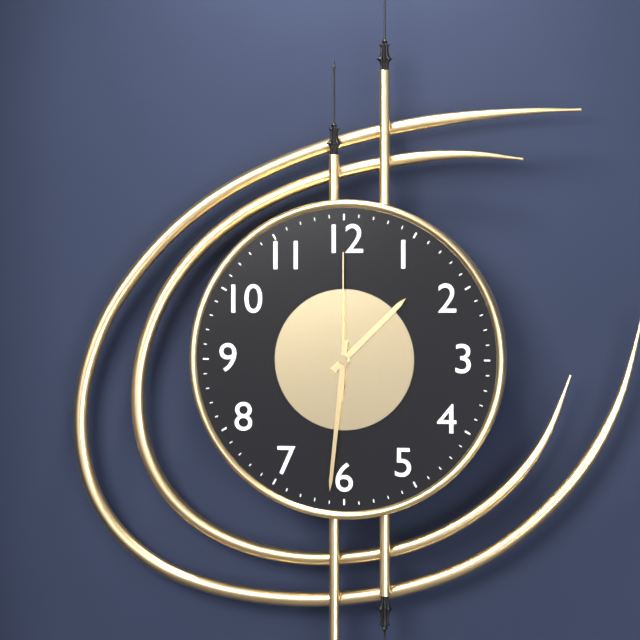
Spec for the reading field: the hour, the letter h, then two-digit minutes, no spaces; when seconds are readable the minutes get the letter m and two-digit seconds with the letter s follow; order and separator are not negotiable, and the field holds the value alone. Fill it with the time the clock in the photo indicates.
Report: 1h31m00s
